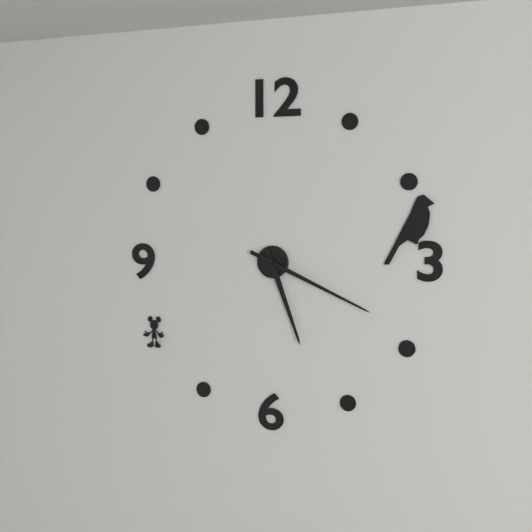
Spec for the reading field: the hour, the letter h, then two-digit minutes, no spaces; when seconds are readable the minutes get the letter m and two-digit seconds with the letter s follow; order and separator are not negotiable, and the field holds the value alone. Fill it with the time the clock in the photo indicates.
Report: 5h19
